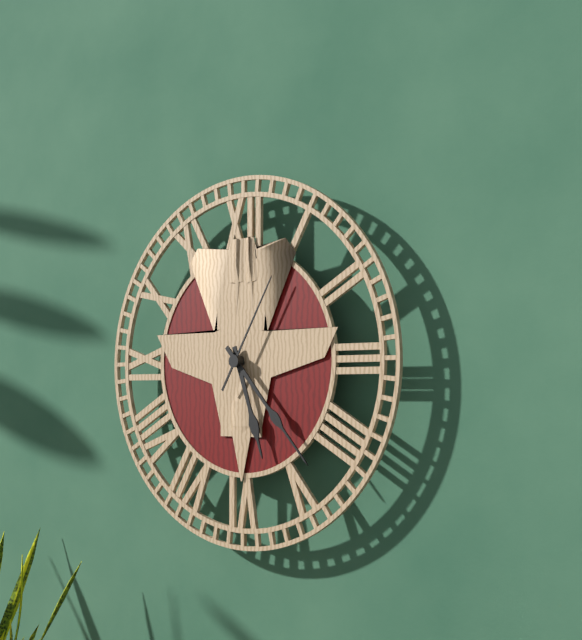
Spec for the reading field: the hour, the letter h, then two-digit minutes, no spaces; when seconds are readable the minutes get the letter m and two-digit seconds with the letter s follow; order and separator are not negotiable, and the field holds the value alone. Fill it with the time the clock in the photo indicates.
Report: 5h23m05s
